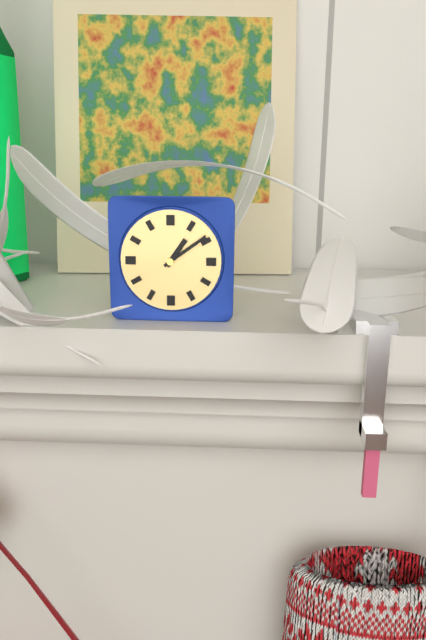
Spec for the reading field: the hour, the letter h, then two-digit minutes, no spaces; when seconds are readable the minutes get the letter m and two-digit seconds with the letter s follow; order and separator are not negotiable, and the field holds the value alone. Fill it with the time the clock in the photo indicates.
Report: 1h09
